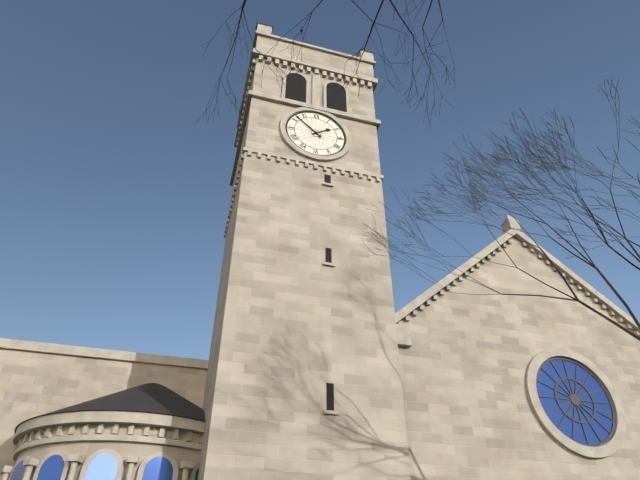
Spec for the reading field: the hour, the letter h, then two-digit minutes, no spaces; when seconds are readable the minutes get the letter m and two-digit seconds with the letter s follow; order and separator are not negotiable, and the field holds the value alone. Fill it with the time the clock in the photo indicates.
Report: 1h52
